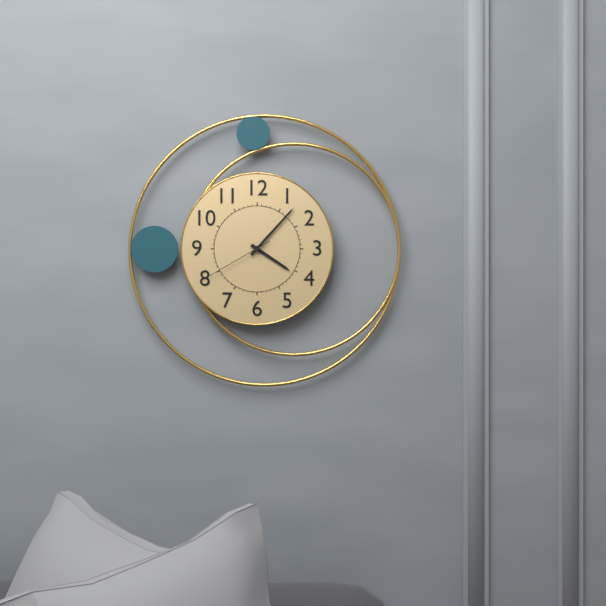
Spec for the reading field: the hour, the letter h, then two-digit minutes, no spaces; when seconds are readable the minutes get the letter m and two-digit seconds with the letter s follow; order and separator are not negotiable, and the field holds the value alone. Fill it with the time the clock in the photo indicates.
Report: 4h07m40s
